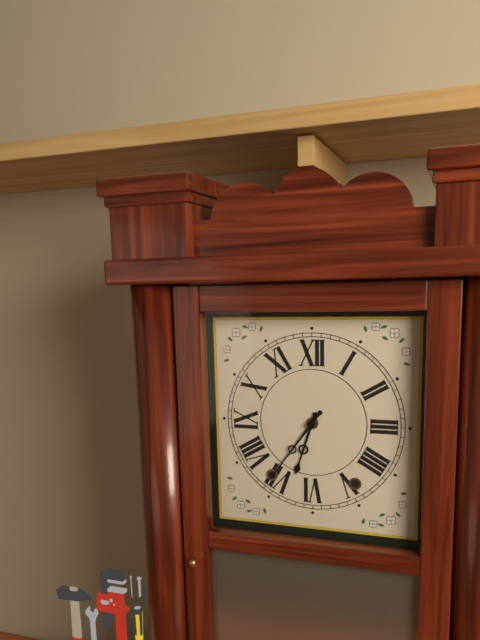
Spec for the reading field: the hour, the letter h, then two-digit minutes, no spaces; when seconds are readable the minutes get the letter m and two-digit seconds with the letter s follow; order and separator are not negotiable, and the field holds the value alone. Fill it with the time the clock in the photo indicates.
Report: 6h36
